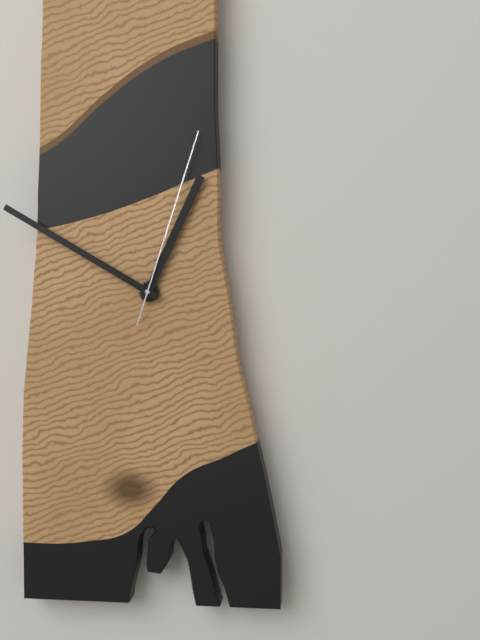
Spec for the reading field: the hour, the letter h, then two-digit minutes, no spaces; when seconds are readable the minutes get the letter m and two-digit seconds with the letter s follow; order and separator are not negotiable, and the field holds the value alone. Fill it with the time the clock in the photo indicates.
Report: 12h50m03s
